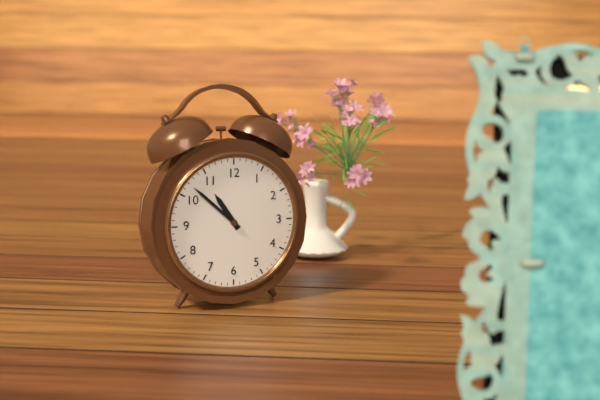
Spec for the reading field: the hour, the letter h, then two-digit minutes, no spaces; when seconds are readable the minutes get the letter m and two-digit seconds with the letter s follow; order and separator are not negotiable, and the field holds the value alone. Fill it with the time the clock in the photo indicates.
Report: 10h52
